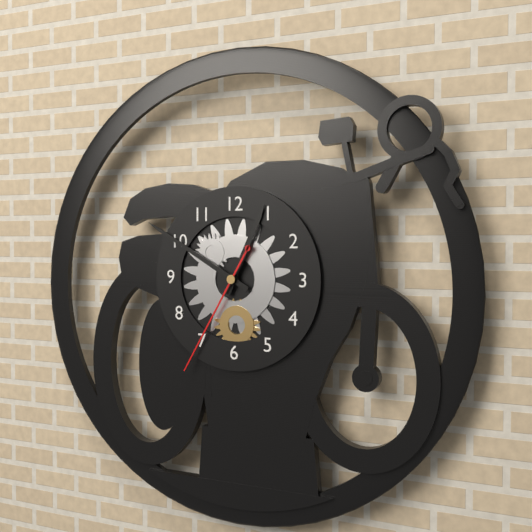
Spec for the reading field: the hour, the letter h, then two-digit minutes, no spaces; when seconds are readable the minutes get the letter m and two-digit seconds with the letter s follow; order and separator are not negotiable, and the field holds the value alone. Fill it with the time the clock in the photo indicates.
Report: 12h50m35s
